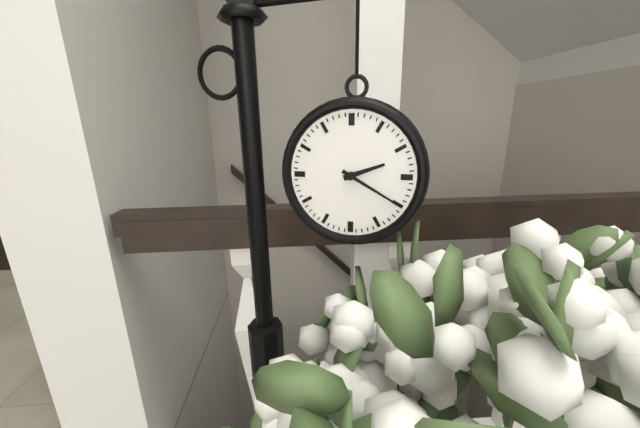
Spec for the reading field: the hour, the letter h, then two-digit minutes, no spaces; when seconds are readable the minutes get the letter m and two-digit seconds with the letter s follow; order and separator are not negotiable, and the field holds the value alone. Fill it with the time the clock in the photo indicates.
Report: 2h20
